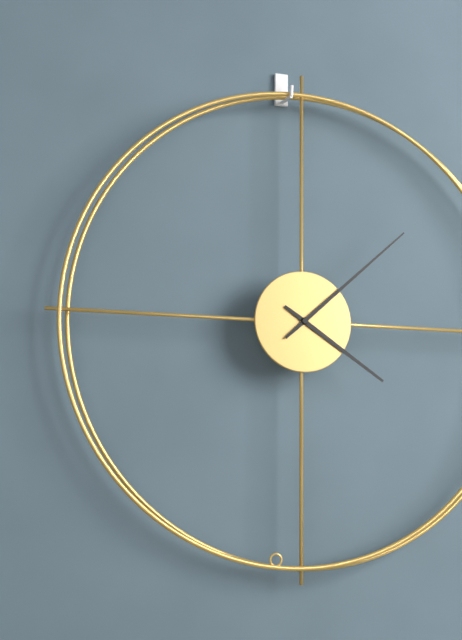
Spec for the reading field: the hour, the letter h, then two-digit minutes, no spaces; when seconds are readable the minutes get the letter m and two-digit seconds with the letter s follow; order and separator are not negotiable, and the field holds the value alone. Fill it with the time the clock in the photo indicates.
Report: 4h08
